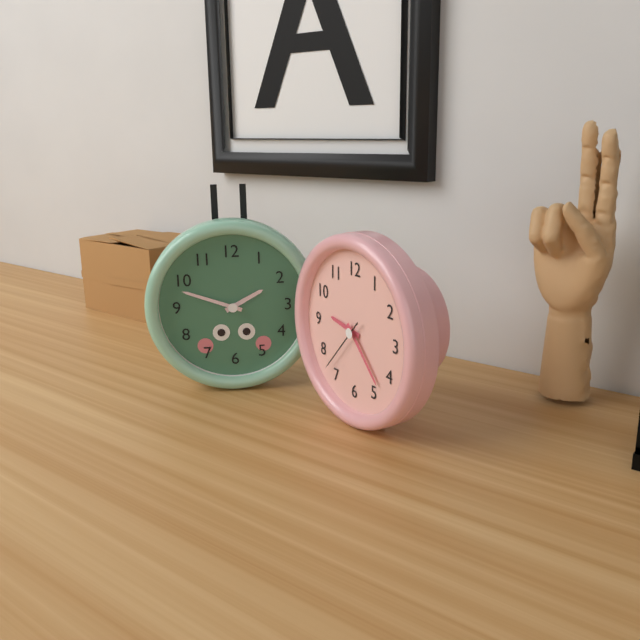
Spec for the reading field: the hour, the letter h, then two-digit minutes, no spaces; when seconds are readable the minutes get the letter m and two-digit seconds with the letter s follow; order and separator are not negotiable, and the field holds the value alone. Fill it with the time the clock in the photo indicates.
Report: 9h23m37s
